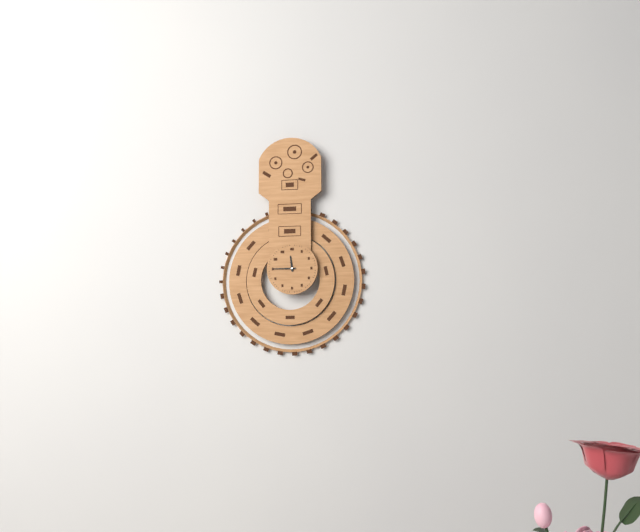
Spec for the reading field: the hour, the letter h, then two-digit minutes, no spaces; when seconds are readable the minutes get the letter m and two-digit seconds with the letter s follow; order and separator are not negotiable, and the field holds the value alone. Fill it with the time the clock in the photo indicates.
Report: 11h45
